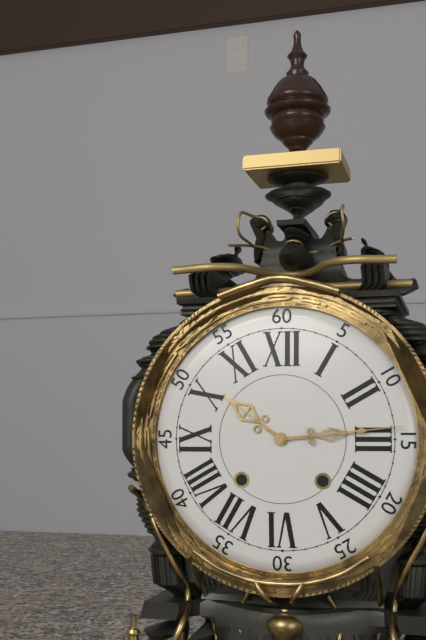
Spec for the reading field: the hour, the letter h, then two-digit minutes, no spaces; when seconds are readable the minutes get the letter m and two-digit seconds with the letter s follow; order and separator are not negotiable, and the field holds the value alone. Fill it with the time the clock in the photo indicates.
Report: 10h14
